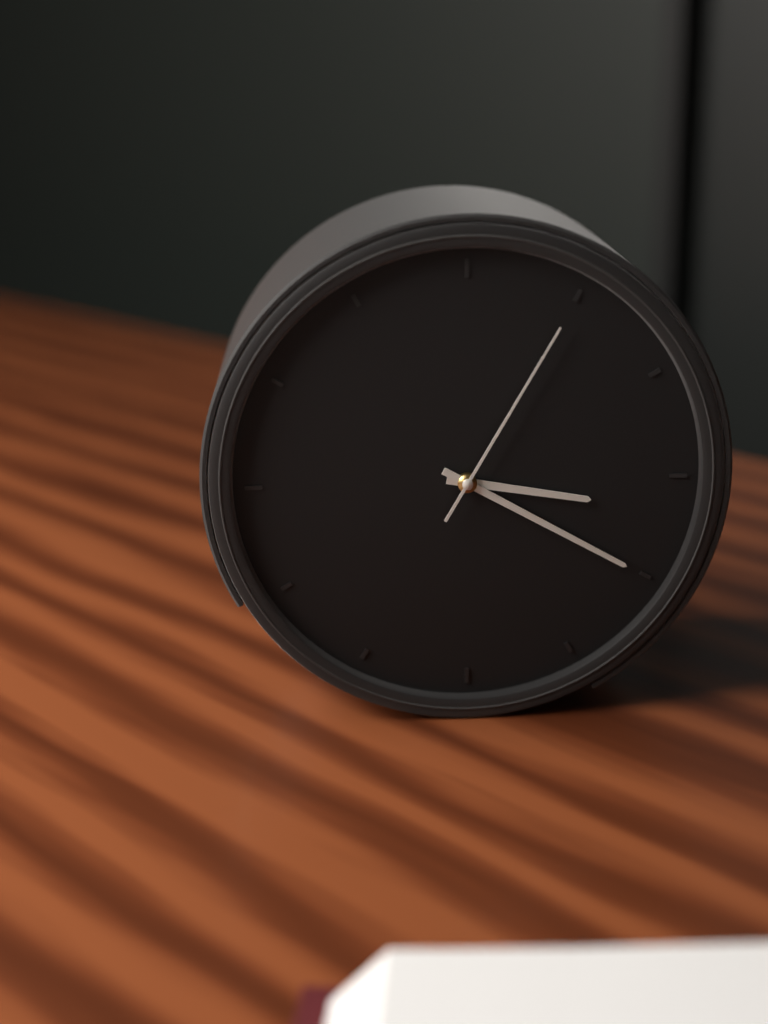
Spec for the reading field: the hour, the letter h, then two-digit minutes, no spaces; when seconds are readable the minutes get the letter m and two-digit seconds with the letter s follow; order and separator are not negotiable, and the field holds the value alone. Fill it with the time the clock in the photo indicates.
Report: 3h20m05s
